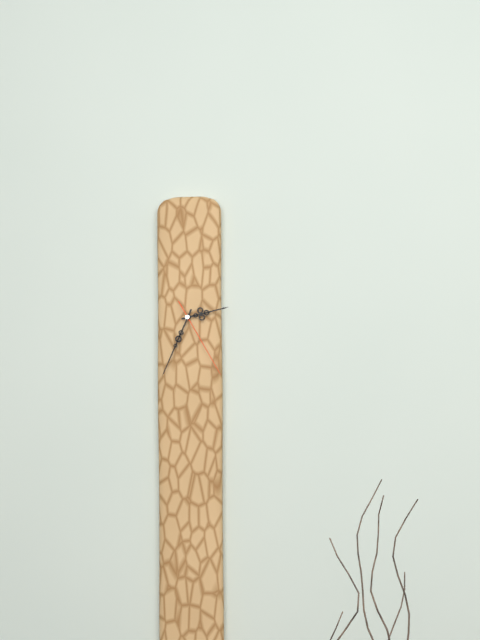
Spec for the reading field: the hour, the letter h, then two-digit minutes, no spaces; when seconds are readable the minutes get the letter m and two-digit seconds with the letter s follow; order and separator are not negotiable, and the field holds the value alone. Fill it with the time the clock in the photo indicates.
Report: 2h34m25s
